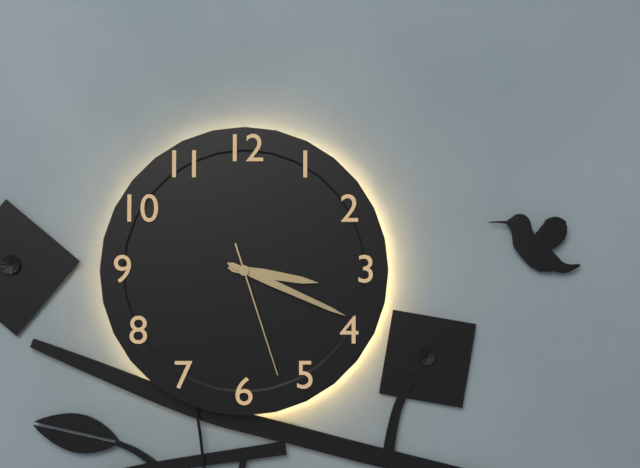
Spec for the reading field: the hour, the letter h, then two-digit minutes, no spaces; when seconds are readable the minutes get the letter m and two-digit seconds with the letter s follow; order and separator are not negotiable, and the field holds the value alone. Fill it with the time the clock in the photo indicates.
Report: 3h19m27s
